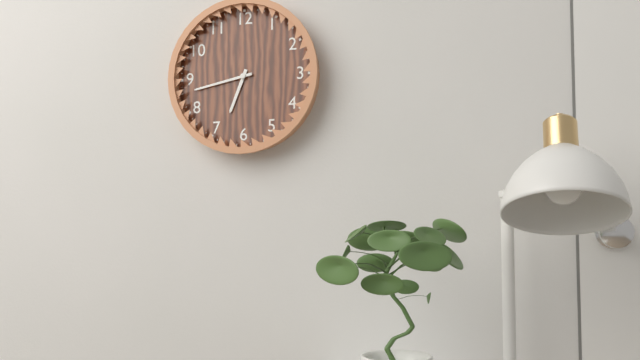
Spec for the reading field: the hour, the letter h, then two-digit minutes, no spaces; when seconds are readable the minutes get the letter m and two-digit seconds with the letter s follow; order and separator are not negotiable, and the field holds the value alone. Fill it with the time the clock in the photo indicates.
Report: 6h43
